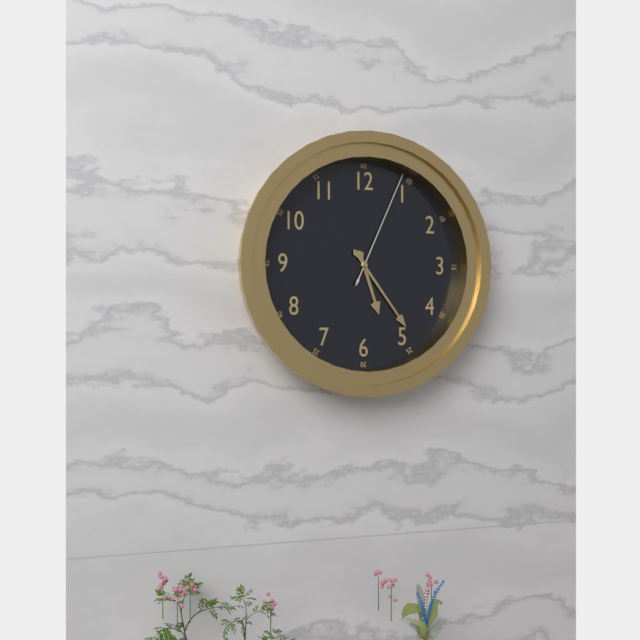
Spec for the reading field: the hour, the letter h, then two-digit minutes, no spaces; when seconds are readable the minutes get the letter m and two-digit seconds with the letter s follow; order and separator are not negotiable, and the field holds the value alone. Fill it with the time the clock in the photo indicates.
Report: 5h24m04s
